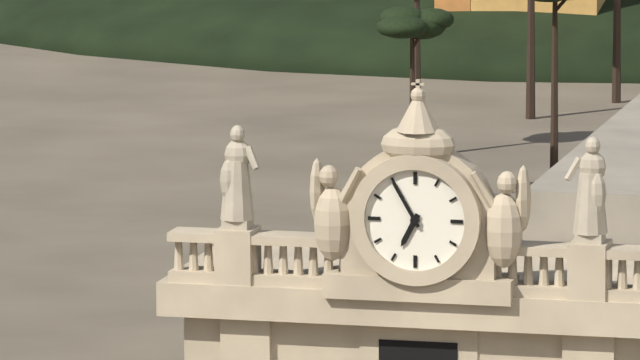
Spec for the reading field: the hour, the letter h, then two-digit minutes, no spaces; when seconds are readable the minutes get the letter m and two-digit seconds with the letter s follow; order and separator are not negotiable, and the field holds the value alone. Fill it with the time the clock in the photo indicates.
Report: 6h55
